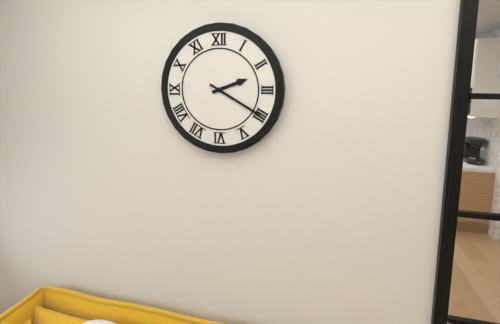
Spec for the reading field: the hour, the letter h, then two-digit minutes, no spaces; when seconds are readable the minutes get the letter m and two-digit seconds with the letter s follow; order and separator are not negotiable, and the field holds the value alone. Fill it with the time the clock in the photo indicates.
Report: 2h20
